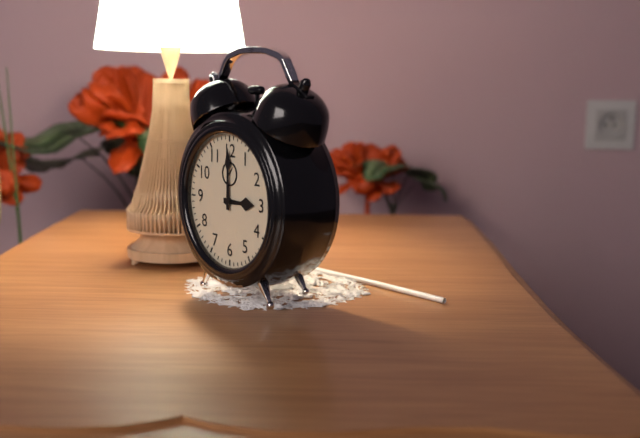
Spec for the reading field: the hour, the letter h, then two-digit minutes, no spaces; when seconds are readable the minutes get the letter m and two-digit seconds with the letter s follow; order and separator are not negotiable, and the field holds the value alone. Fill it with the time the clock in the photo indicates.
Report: 3h00
